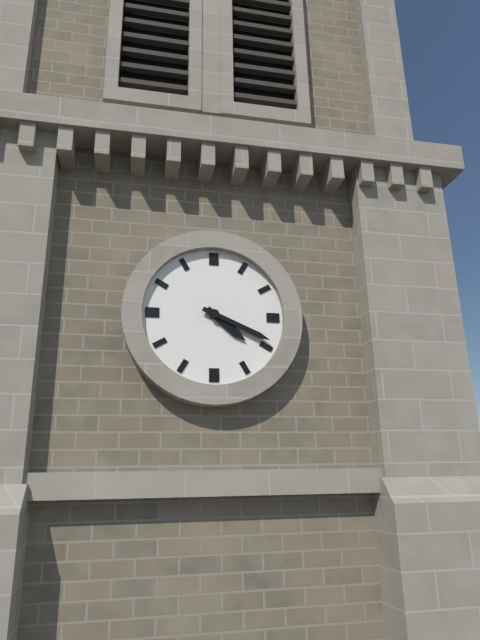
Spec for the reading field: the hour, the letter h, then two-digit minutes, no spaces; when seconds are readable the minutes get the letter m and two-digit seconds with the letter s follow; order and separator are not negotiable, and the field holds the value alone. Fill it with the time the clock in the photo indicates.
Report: 4h19
